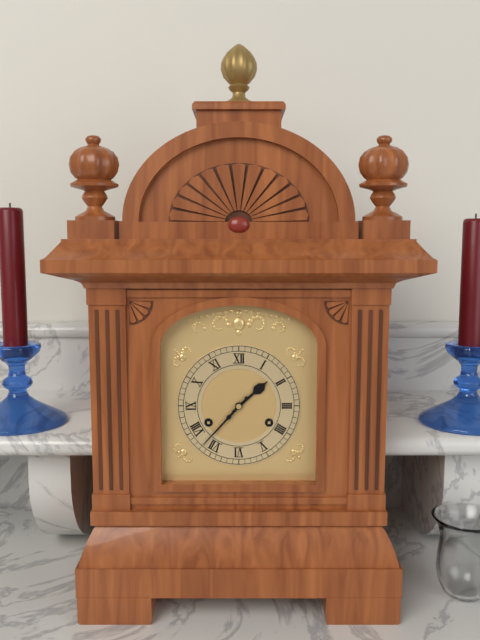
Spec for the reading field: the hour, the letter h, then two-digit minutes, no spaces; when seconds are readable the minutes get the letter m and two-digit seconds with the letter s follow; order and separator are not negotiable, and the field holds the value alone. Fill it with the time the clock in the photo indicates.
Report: 1h37
